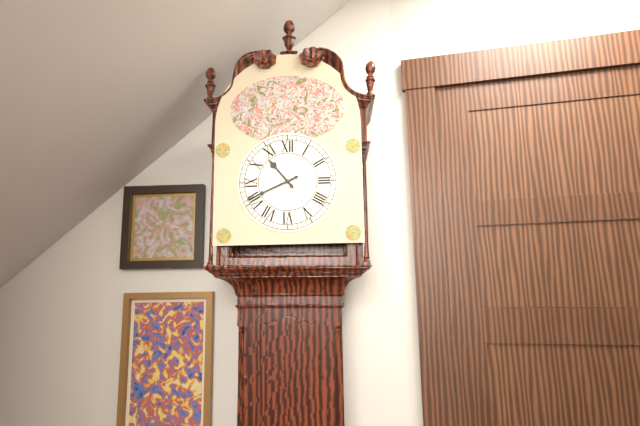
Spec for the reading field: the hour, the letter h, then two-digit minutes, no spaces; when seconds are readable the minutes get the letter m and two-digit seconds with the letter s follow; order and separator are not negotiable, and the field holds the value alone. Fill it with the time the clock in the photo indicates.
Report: 10h41
